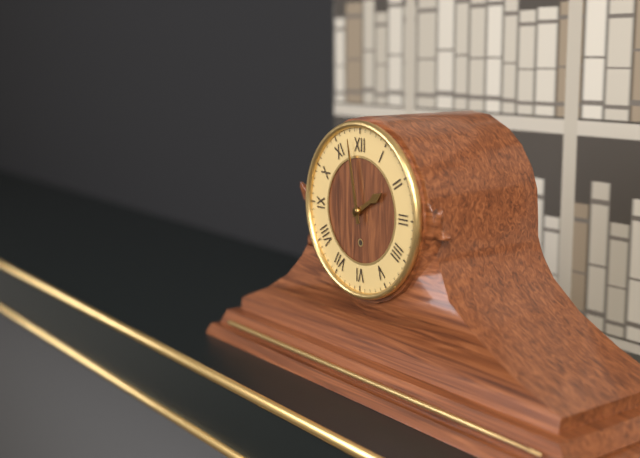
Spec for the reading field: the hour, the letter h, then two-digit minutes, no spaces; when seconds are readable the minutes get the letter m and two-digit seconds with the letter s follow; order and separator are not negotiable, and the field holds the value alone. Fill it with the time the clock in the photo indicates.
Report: 1h58
